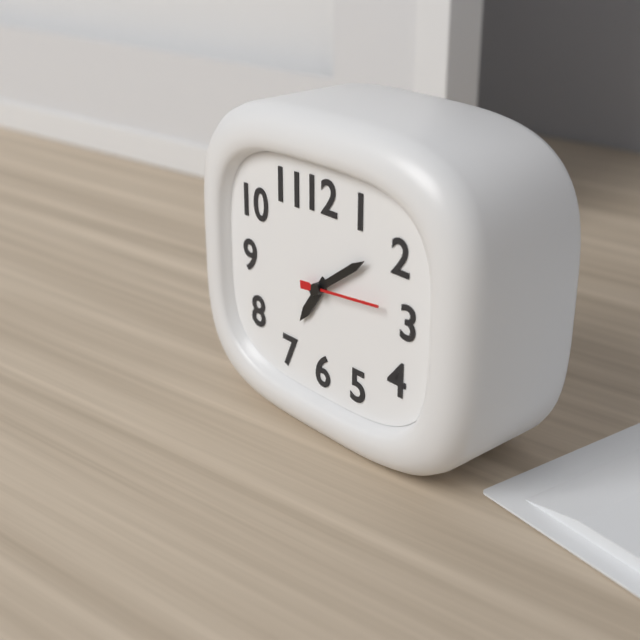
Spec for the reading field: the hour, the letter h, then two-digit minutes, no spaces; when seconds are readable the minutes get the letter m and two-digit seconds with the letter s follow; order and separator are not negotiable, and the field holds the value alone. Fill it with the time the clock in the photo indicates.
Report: 7h09m14s
